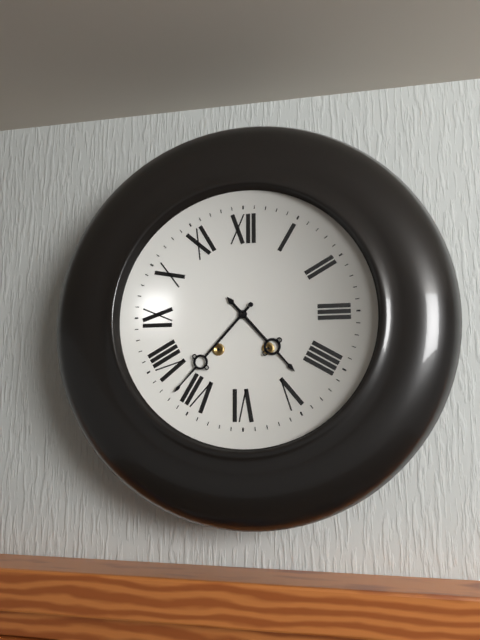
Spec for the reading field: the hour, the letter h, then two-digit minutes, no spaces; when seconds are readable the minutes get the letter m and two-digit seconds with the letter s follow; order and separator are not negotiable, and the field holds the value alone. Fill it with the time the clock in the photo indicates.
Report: 4h37
